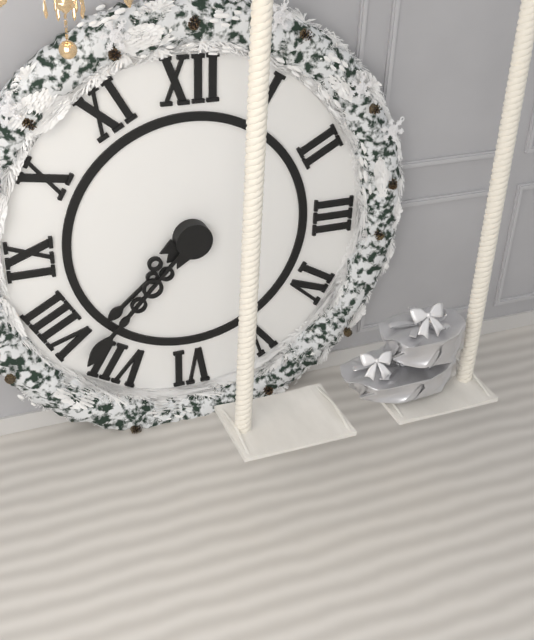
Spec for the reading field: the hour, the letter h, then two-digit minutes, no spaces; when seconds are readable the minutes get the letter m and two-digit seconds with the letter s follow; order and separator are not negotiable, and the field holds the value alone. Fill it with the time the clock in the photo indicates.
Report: 7h37
